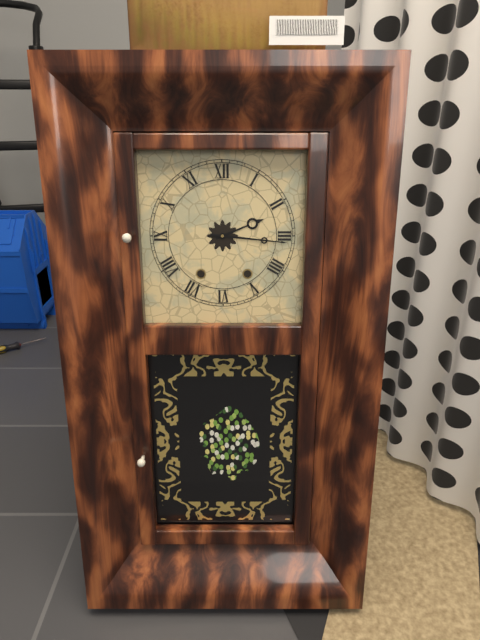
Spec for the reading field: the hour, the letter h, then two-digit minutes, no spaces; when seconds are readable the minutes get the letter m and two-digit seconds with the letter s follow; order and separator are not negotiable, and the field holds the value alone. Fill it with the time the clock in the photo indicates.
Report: 2h16
